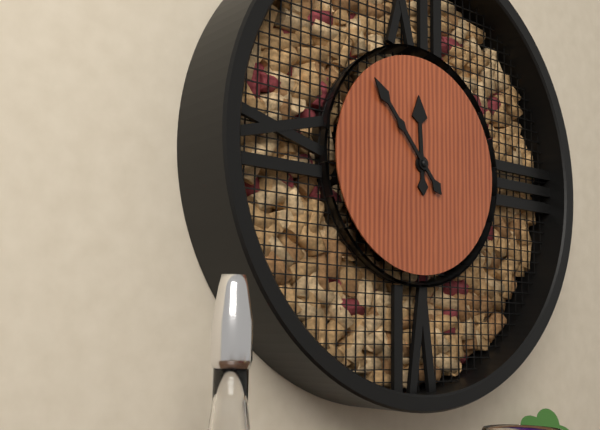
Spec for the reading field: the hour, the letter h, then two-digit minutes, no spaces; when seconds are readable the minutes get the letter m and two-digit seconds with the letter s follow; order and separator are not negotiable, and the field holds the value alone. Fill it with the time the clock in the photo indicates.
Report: 11h53
